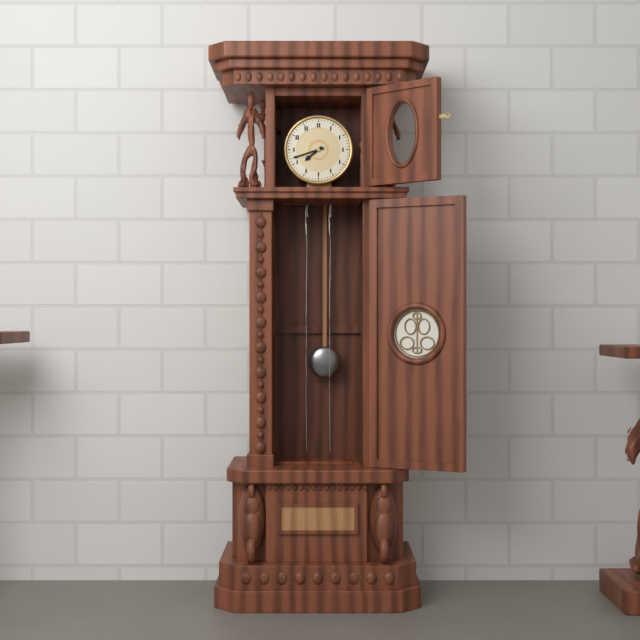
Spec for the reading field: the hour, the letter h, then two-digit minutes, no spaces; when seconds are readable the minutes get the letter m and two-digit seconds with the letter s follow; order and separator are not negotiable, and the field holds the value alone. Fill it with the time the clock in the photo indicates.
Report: 7h42
